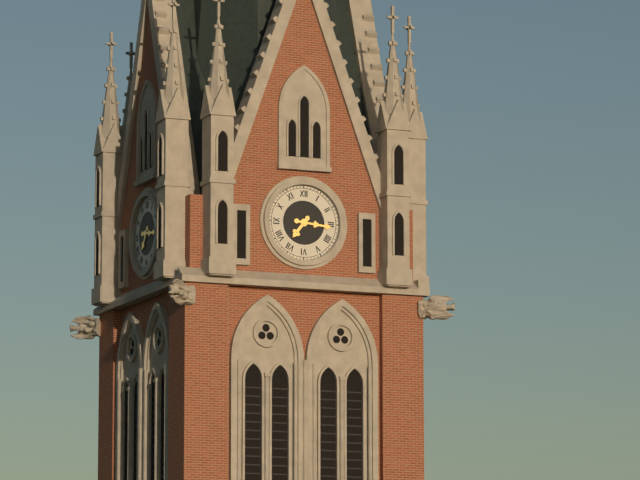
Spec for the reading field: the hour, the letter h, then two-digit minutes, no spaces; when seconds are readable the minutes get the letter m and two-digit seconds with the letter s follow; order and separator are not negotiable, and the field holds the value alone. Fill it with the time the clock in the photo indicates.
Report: 7h16
